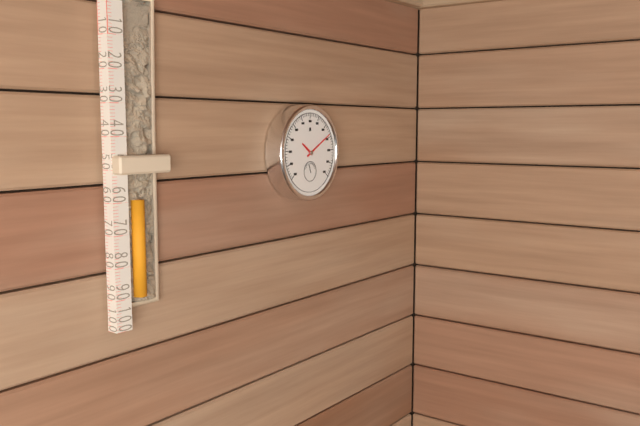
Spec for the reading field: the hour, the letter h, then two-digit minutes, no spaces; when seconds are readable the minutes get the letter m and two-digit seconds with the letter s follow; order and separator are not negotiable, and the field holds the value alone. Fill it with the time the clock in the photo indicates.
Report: 10h10
